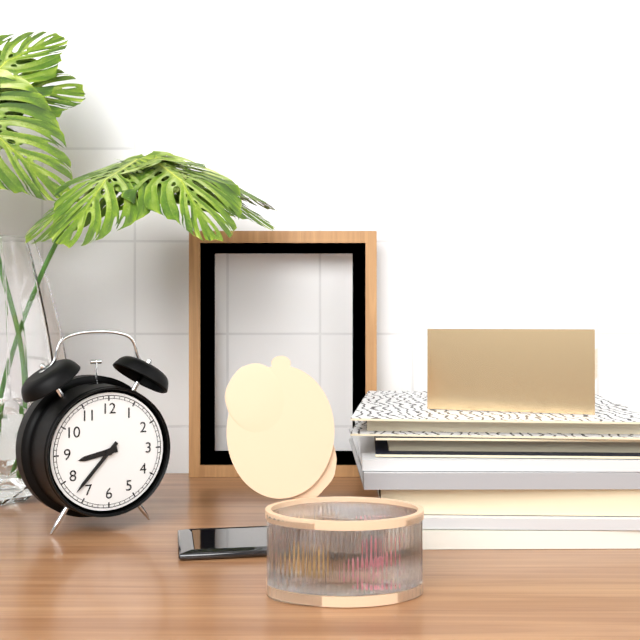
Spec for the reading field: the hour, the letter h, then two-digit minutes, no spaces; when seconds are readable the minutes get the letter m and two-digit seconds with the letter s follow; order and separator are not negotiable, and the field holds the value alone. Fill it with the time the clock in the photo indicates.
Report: 8h37
